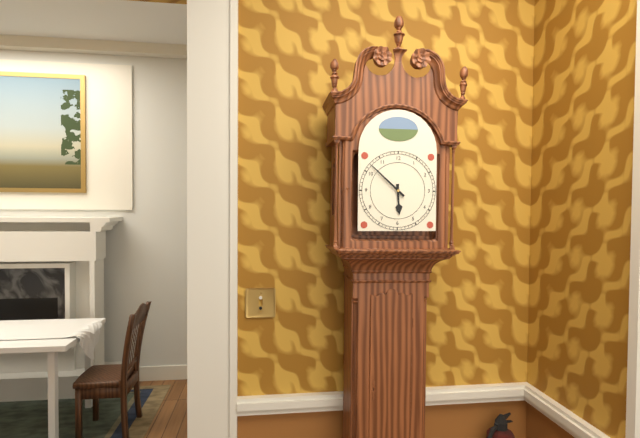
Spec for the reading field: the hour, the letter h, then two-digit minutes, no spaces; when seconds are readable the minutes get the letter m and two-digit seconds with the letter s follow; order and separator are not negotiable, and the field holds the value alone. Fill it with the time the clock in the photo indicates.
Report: 5h52
